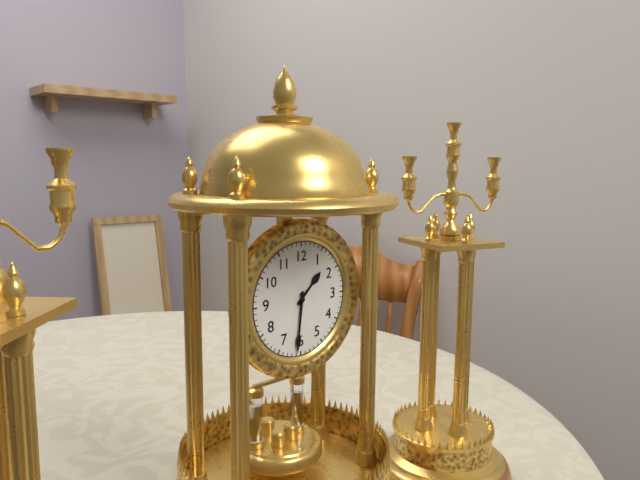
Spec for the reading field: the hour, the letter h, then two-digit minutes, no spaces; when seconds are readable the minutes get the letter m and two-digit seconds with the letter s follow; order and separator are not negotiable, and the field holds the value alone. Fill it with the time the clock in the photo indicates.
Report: 1h31
